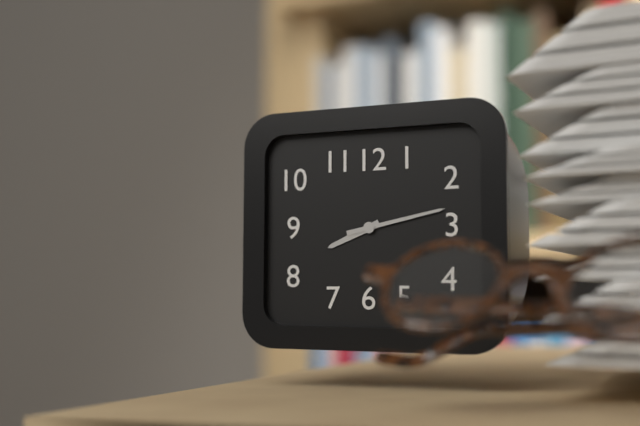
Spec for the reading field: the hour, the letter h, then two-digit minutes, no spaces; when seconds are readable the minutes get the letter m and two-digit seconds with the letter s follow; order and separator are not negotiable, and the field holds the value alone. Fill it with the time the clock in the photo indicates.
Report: 8h13
